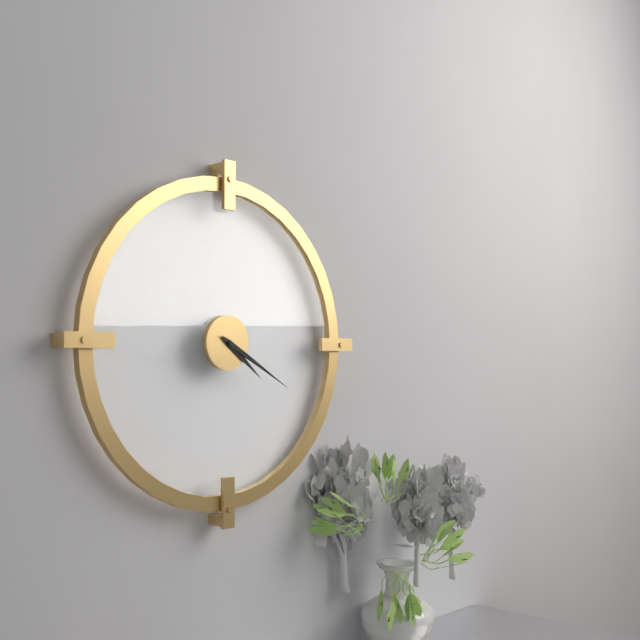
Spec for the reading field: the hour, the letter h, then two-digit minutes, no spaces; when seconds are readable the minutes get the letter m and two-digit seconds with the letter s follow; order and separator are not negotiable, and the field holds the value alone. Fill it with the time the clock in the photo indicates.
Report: 4h20
